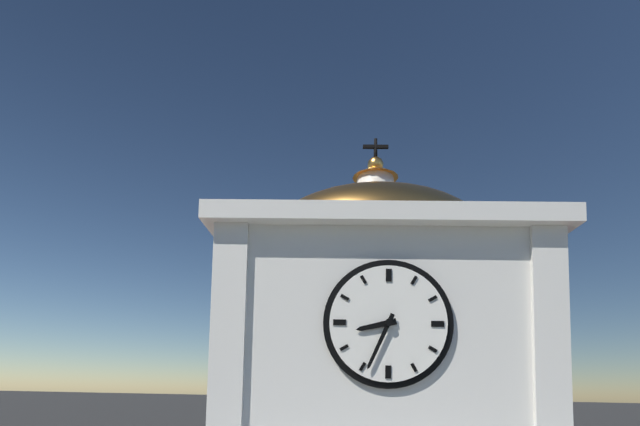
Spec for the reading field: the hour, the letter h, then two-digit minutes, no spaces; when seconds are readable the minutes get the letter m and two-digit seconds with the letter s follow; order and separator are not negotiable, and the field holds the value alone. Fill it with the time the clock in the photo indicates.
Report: 8h34
